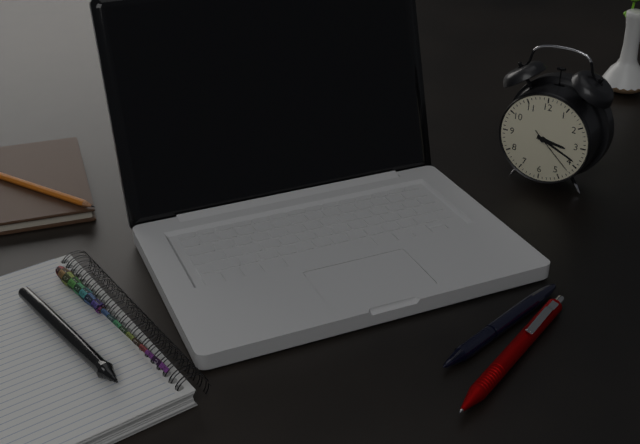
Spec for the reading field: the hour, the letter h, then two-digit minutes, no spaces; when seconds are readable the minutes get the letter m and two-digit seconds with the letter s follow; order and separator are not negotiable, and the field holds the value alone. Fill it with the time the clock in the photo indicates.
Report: 3h19m22s
